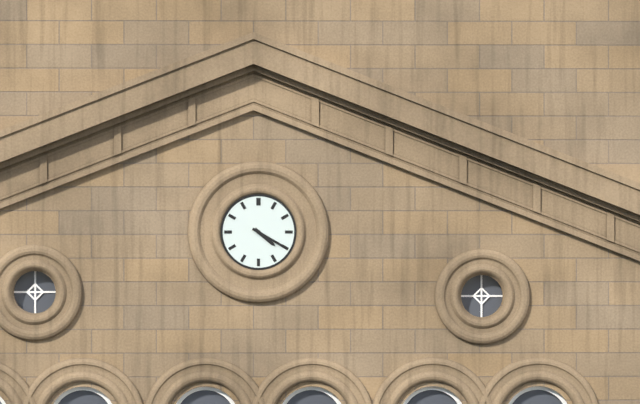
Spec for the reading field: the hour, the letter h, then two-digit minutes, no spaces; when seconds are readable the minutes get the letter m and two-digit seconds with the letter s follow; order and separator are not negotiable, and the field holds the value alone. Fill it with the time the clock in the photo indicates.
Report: 4h20
